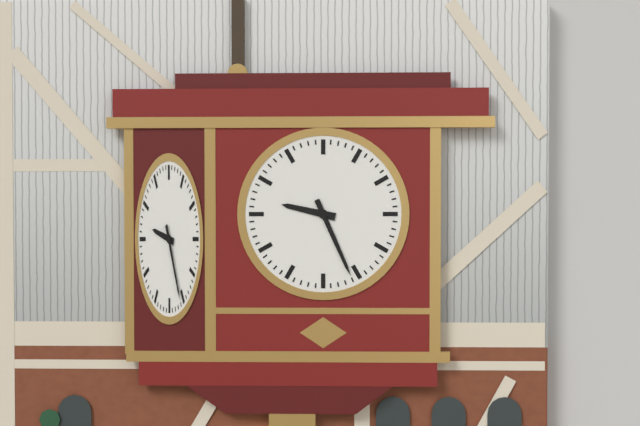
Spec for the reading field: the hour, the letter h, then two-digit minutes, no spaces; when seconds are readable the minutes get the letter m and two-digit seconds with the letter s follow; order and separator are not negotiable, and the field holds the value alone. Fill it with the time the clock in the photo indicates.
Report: 9h26
